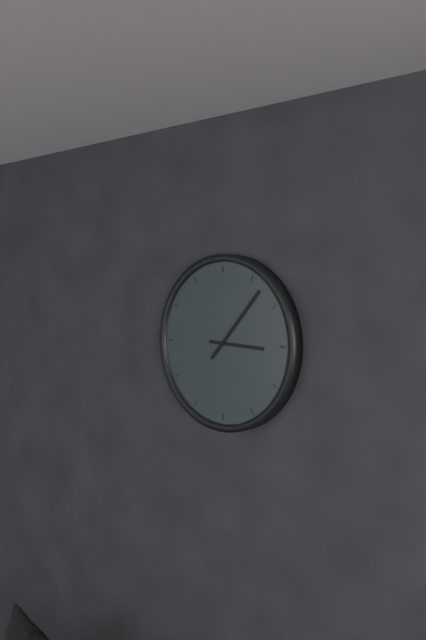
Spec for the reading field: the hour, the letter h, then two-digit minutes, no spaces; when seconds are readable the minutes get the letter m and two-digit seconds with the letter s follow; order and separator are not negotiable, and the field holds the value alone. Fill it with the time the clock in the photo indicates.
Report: 3h07
